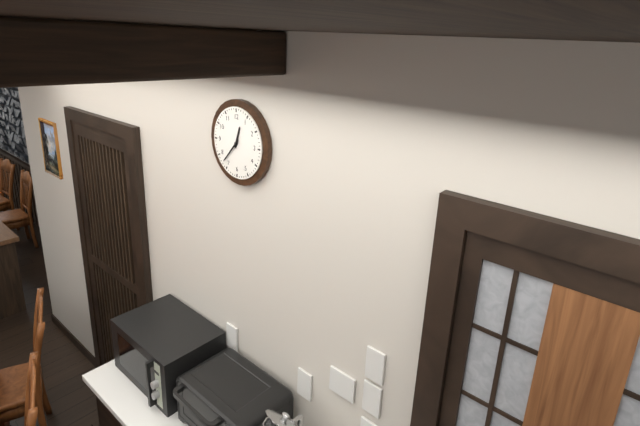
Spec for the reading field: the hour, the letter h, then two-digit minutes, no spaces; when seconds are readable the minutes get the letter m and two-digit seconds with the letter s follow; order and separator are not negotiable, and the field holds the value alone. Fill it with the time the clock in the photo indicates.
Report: 12h37
